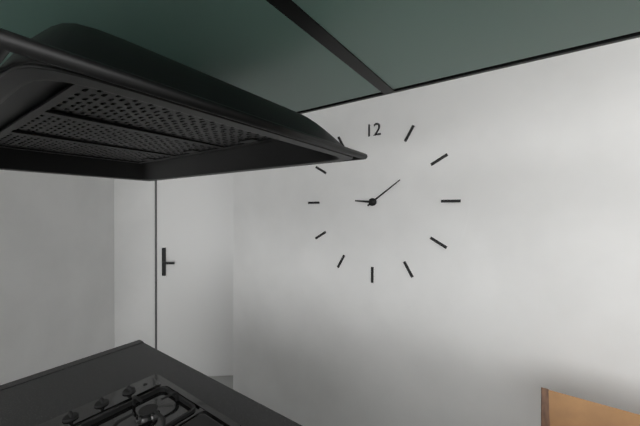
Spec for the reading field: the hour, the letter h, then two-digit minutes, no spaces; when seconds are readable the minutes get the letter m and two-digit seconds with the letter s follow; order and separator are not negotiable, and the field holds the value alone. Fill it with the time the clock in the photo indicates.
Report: 9h09
